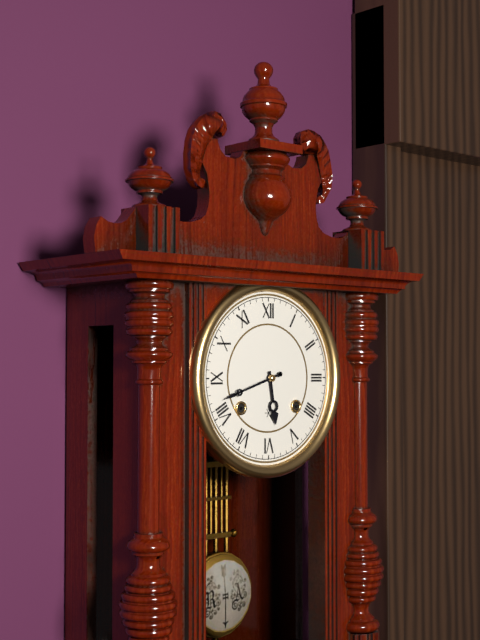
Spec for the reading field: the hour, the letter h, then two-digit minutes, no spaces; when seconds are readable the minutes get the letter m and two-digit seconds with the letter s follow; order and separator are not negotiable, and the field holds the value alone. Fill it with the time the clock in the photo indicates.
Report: 5h42
